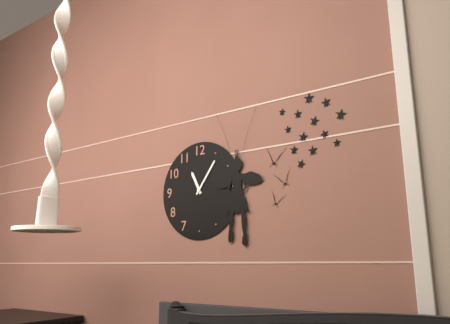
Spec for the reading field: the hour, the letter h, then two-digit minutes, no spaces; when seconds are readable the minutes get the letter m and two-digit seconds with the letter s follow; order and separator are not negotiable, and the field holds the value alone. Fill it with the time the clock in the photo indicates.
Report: 11h06
